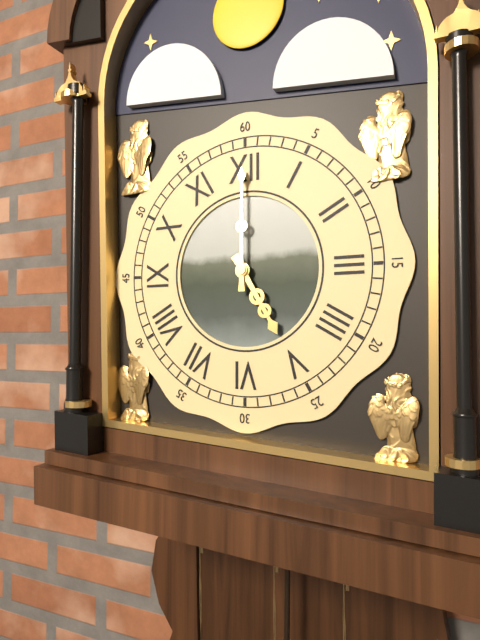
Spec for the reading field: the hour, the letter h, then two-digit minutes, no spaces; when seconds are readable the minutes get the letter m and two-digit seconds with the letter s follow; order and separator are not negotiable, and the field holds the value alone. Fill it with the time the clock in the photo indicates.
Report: 5h00
